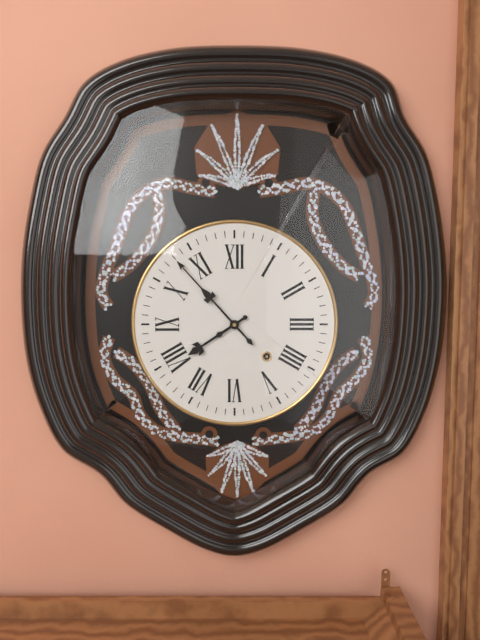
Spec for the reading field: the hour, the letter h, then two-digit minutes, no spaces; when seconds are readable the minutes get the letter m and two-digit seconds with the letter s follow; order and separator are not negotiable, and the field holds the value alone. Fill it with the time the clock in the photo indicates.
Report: 7h53
